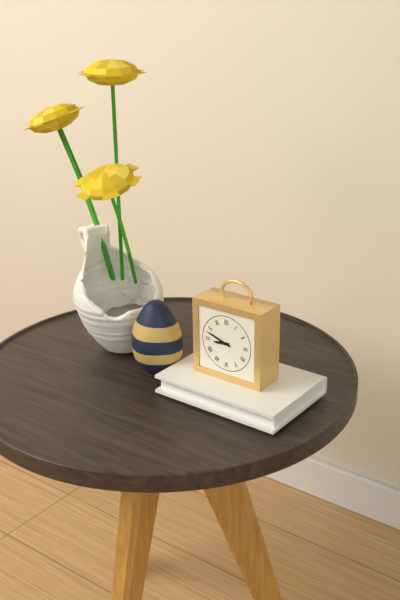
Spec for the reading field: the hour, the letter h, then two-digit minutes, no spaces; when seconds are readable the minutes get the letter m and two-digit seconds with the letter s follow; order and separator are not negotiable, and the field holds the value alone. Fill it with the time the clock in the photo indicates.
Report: 8h48
